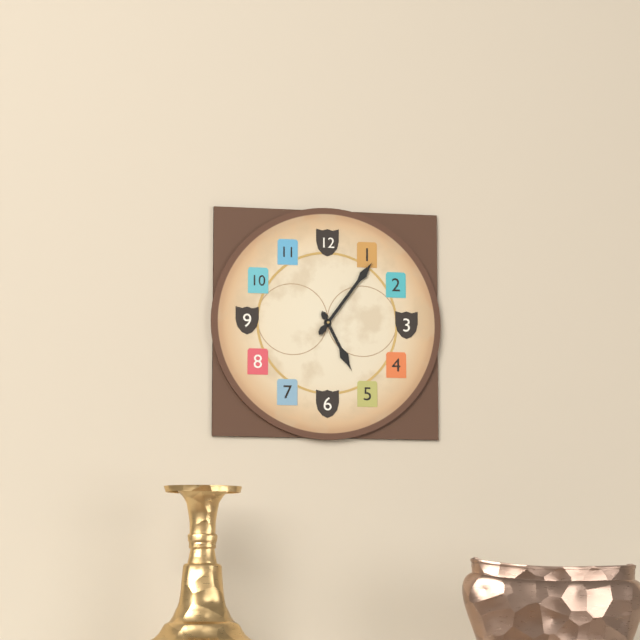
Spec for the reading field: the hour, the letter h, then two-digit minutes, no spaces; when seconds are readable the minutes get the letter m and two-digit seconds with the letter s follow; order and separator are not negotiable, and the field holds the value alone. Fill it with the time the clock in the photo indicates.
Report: 5h06
